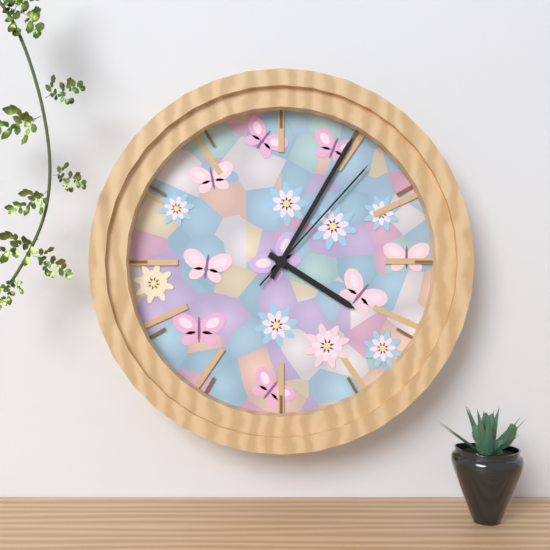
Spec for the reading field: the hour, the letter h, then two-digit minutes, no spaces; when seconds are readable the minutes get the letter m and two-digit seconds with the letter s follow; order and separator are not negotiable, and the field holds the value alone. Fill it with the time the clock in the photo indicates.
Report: 4h05m07s
